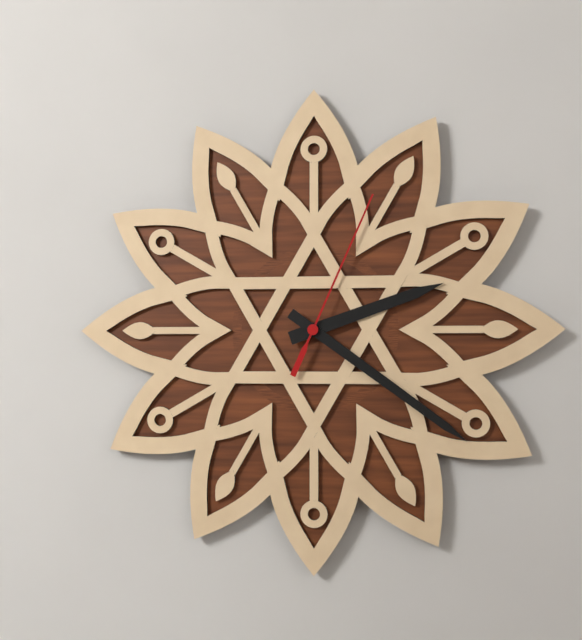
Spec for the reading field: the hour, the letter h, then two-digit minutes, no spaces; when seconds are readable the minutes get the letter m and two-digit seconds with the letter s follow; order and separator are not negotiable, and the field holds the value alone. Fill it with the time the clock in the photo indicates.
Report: 2h21m04s
